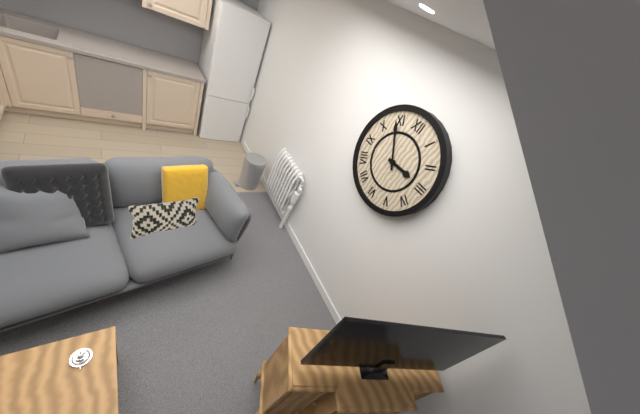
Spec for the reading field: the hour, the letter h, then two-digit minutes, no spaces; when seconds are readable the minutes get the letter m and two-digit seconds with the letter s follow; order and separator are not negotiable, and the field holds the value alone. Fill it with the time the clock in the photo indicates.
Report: 2h54
